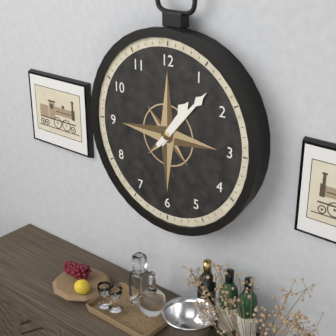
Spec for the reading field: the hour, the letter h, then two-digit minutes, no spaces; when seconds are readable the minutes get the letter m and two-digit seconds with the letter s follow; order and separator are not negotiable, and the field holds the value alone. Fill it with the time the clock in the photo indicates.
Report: 1h07
